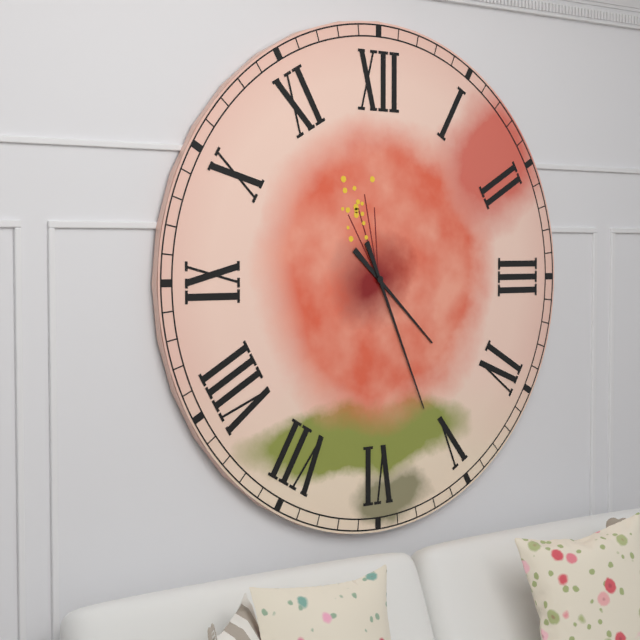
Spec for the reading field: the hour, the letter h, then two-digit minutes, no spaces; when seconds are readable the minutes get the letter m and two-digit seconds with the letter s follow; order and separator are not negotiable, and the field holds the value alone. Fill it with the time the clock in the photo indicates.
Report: 4h26
